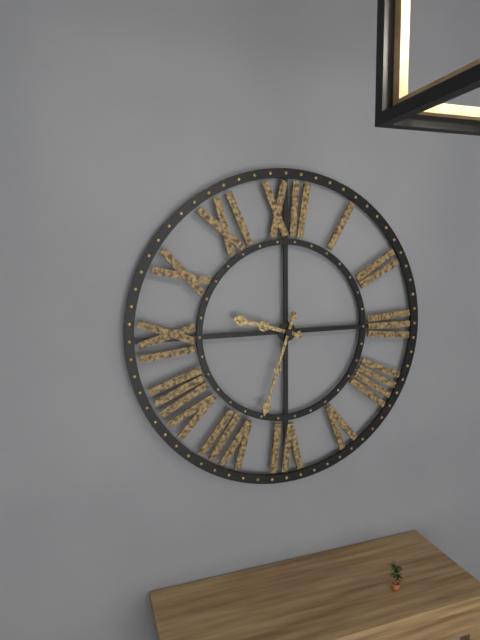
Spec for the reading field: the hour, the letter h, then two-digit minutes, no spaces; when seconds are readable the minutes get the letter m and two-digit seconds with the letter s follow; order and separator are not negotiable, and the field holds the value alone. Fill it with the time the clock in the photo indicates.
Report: 9h33
